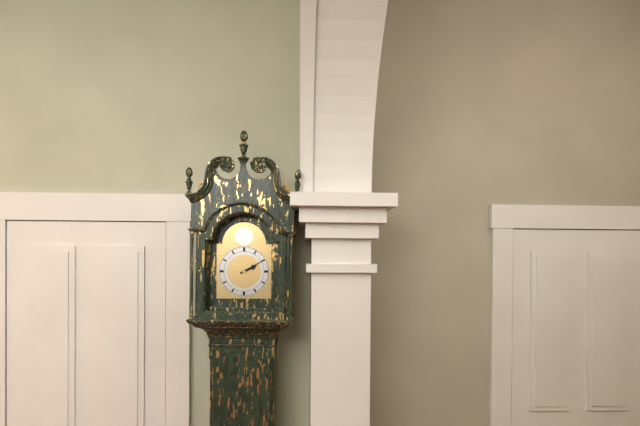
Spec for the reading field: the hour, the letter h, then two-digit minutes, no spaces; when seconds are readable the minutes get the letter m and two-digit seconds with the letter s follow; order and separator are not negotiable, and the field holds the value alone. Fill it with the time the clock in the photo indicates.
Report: 2h10
